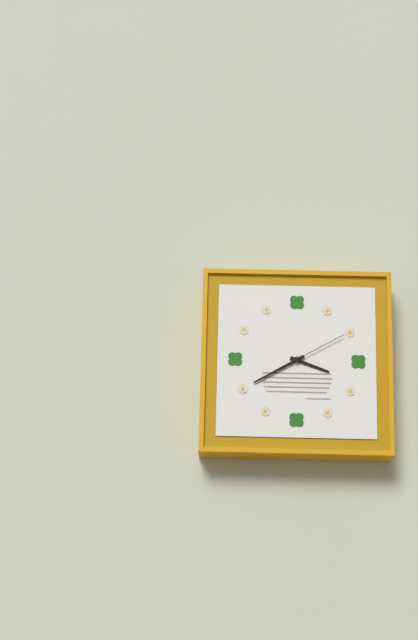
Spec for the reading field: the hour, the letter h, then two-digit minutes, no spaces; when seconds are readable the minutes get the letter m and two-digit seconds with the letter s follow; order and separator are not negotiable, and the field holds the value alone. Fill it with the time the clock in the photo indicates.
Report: 3h40m10s
